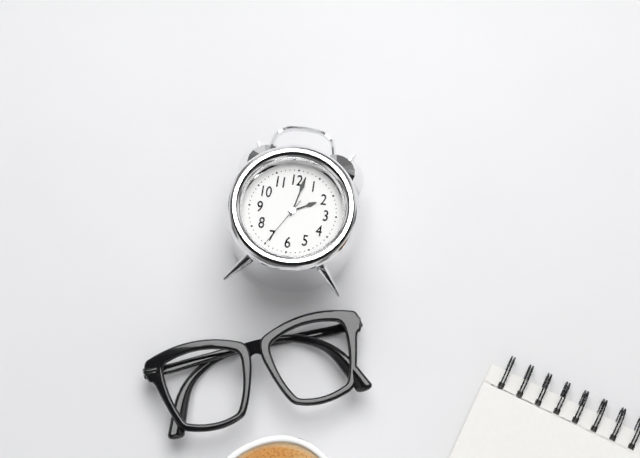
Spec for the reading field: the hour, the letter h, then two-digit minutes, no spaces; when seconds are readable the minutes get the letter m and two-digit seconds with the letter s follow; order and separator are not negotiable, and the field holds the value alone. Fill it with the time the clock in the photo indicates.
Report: 2h02m35s
